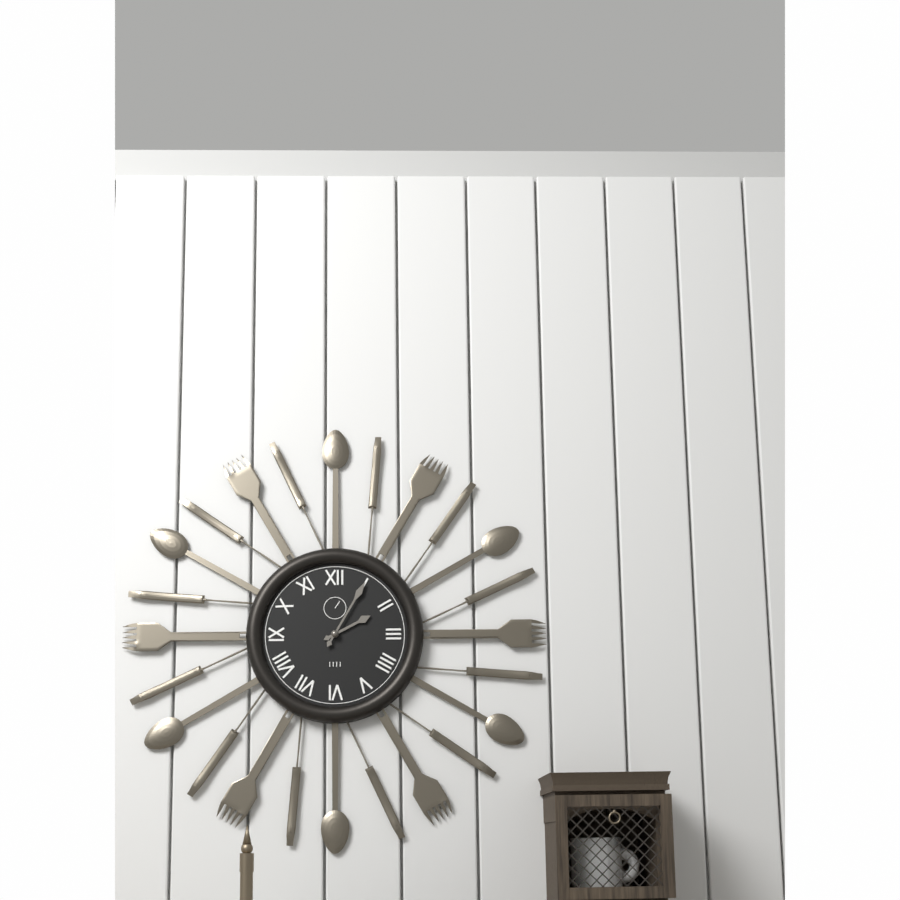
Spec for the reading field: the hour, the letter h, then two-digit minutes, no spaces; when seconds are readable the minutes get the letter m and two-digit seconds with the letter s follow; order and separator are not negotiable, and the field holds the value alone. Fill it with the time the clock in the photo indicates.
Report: 2h05
